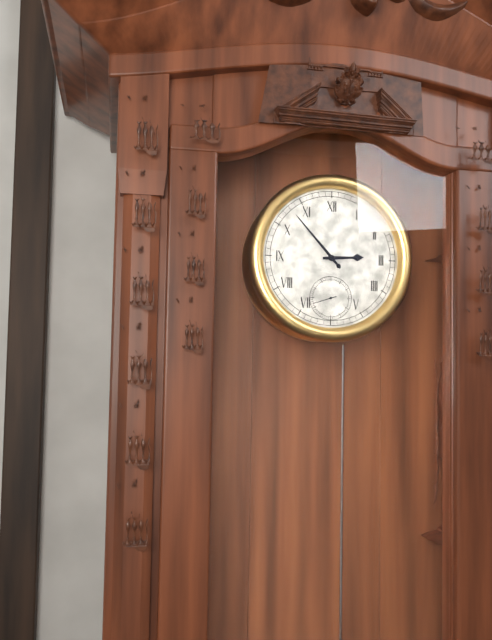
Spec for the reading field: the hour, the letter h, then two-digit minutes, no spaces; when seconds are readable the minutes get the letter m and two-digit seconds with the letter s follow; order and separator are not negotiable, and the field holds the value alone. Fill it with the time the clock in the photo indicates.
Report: 2h53
